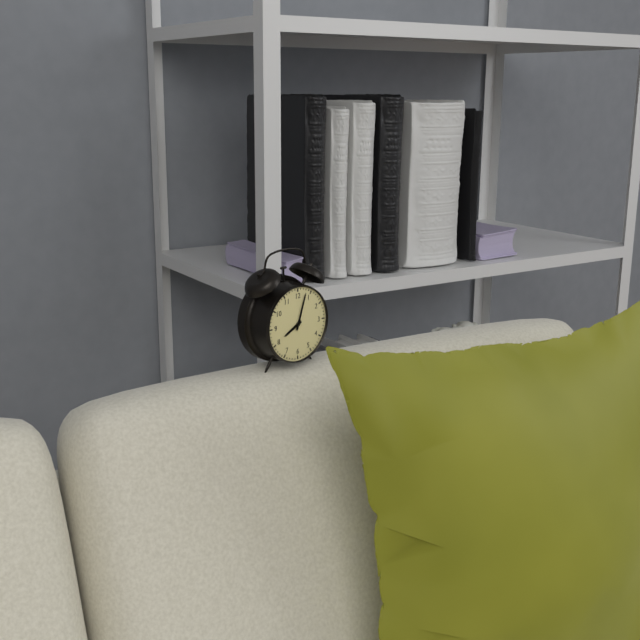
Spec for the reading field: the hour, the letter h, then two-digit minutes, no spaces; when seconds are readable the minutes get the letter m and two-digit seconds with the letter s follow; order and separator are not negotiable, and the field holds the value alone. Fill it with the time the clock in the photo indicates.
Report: 8h03
